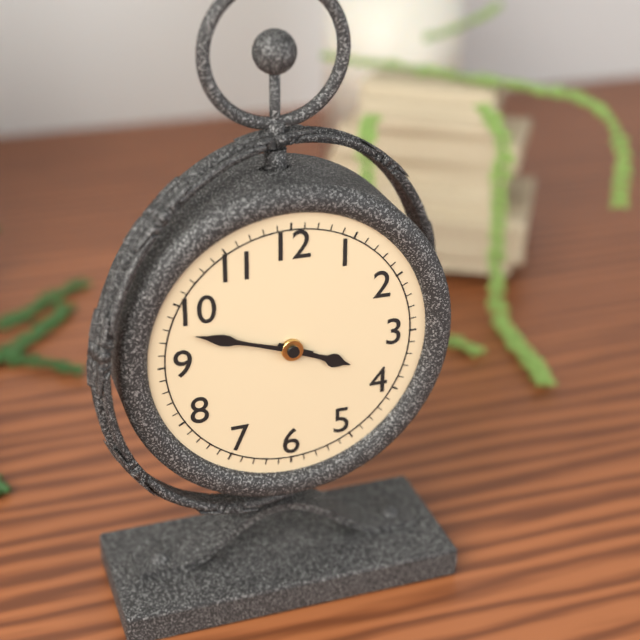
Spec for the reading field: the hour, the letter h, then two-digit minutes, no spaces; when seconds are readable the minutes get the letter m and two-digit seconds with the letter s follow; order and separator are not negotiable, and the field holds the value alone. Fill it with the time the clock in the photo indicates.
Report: 3h48
